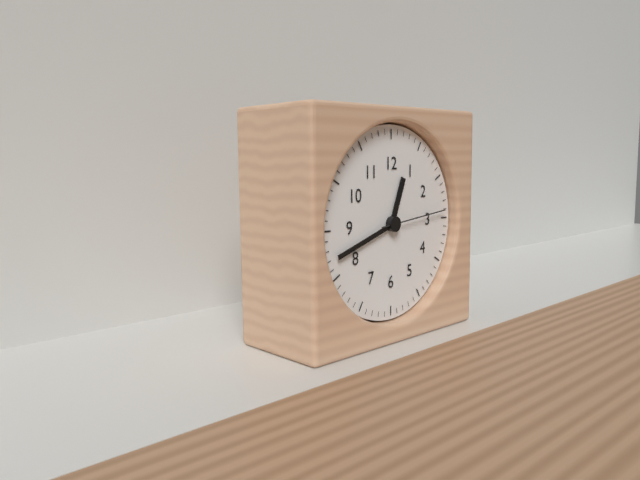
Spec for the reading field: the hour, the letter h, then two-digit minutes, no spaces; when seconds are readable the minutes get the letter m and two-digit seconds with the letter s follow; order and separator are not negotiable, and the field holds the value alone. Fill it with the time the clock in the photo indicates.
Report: 12h42m14s
